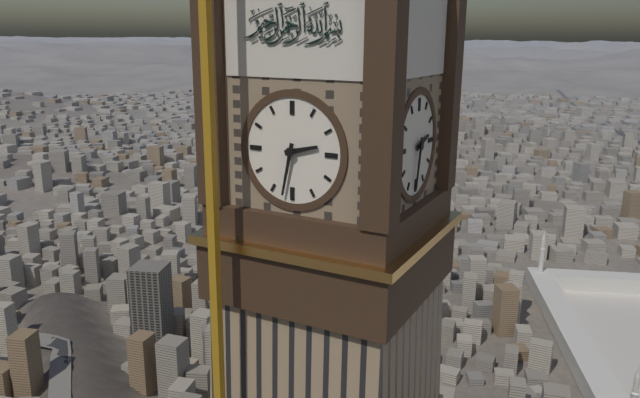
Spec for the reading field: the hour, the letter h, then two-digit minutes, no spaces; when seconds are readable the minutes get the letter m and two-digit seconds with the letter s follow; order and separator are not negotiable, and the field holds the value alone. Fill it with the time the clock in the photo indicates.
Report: 2h32
